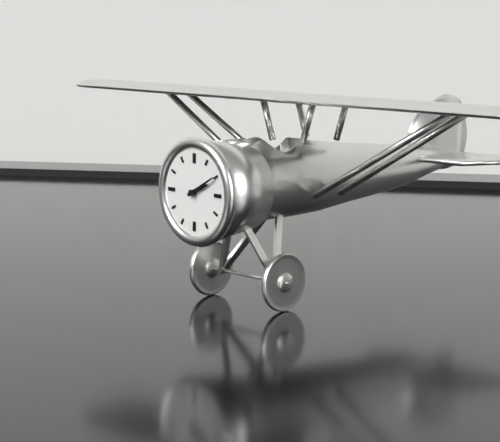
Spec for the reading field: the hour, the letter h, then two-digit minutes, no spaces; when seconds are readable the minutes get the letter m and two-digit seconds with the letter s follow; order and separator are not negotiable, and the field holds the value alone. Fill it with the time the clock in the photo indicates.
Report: 2h10
